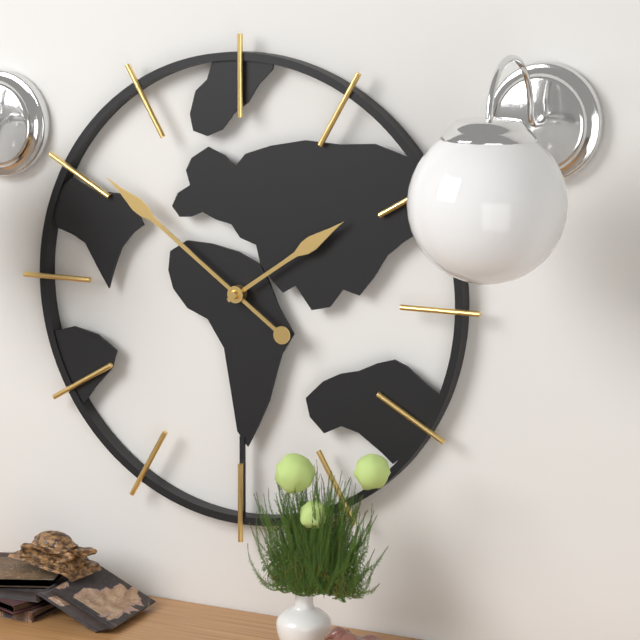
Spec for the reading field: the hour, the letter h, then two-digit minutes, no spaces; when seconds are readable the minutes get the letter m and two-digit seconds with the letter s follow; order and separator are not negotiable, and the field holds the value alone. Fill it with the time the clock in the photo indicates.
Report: 1h51
